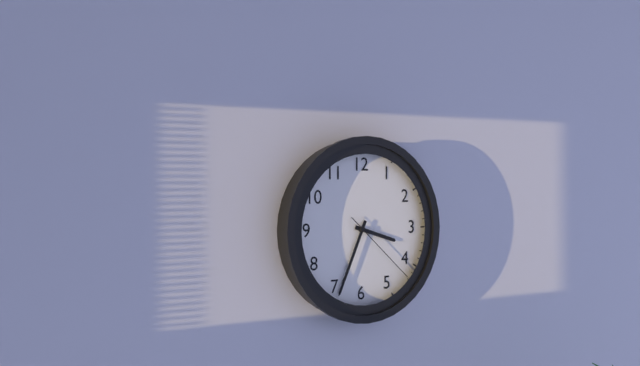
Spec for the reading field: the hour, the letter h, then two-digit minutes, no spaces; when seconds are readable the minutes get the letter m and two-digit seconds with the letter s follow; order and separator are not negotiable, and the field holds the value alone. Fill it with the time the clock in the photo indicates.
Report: 3h34m22s
